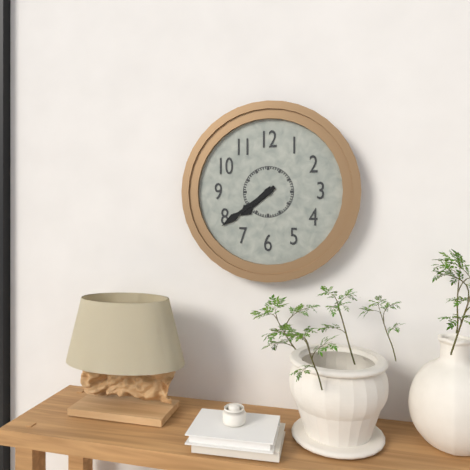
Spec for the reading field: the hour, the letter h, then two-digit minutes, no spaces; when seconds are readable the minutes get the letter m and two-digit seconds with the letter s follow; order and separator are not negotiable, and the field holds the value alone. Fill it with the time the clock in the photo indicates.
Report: 7h39
